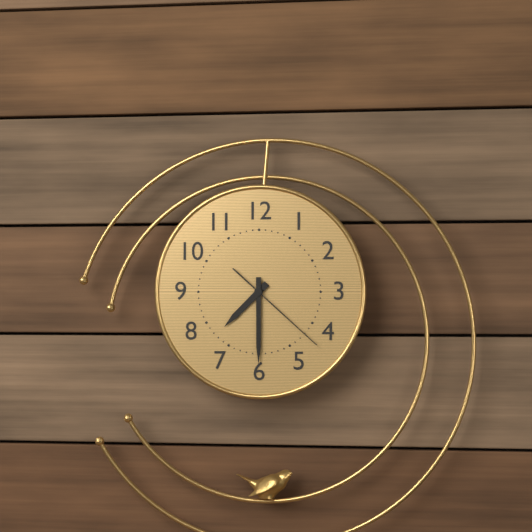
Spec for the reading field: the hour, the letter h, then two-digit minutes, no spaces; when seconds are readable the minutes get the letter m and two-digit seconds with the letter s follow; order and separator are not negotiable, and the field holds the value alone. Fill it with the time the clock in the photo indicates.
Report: 7h30m22s
